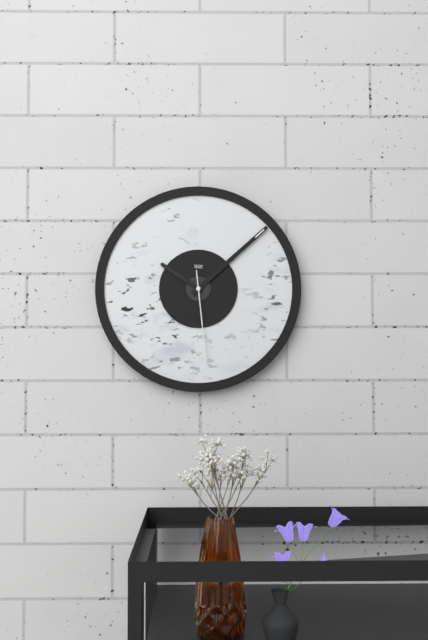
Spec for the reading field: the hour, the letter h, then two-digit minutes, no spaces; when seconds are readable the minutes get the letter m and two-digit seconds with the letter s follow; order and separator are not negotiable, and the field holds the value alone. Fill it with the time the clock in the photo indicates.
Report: 10h08m29s
